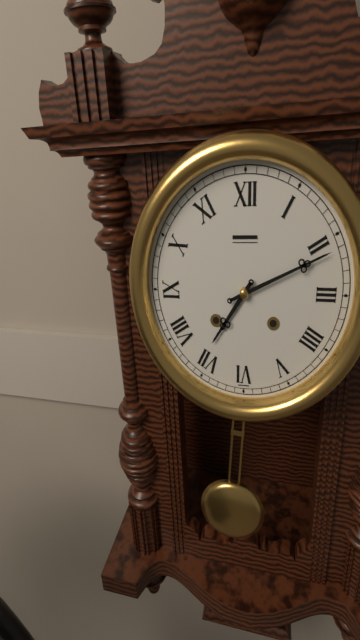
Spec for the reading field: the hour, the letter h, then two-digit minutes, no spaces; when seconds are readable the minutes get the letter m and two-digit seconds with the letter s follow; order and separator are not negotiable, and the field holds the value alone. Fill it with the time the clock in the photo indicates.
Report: 7h11
